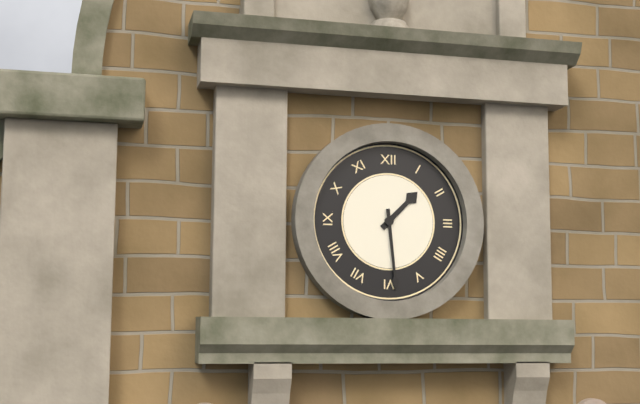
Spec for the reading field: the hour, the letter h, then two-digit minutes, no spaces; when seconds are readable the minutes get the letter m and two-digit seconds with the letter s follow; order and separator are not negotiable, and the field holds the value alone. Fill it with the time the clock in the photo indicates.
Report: 1h29
